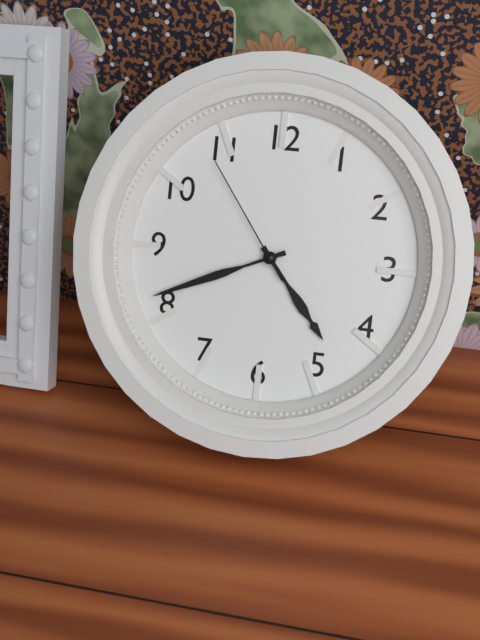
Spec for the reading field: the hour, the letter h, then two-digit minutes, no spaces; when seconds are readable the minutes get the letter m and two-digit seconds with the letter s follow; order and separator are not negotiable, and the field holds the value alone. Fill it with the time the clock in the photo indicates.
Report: 4h41m54s
